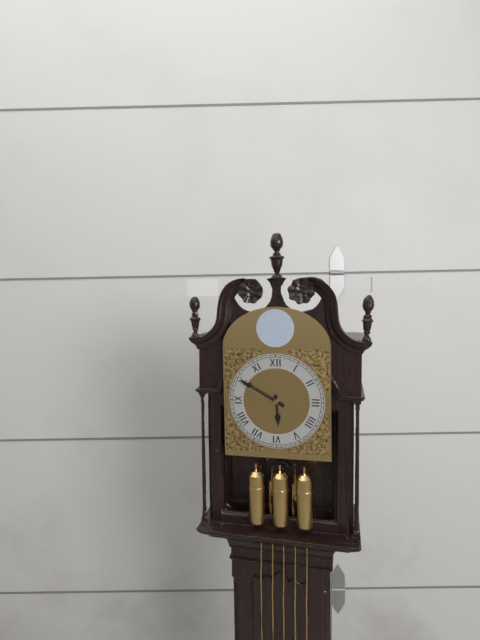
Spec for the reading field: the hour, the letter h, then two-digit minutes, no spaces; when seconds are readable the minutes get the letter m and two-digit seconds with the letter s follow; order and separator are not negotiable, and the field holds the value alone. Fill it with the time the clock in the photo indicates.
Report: 5h50
